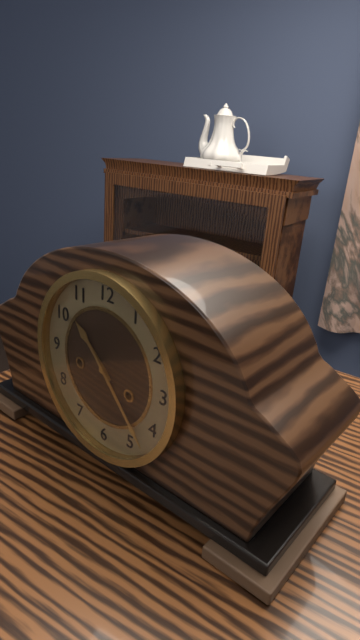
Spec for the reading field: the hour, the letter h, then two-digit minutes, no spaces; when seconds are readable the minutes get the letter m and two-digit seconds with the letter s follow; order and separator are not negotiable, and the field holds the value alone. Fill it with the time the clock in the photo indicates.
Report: 10h23
